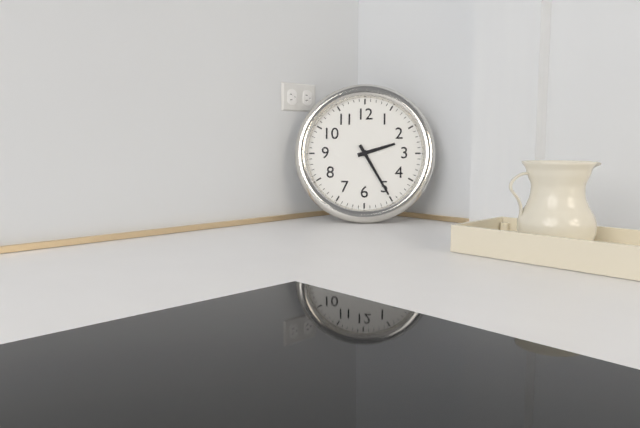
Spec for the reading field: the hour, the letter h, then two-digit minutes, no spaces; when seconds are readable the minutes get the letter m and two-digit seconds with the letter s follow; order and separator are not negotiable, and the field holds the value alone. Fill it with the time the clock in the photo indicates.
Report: 2h25
